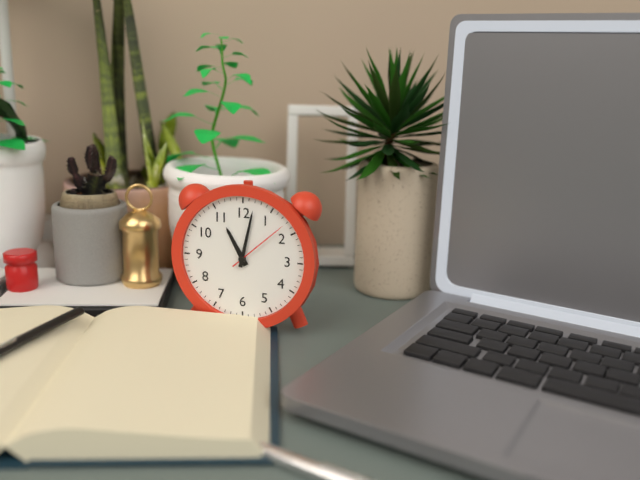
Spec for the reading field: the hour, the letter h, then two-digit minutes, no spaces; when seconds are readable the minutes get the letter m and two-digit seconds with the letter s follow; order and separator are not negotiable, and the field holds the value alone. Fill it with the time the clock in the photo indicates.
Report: 11h02m08s
